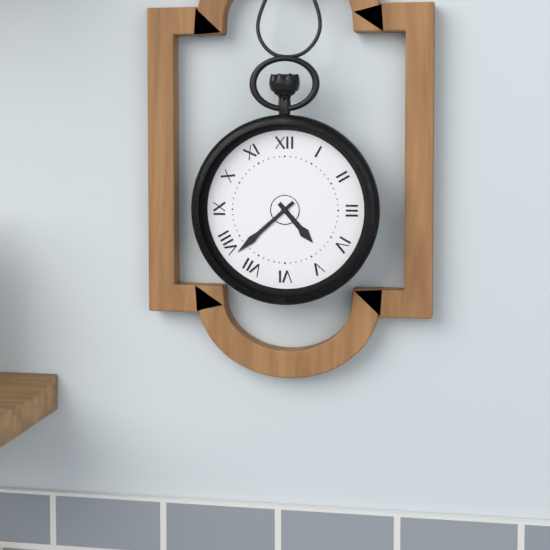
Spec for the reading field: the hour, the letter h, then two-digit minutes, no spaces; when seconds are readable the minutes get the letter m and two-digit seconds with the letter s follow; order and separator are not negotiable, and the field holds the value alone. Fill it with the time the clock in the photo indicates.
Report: 4h38
